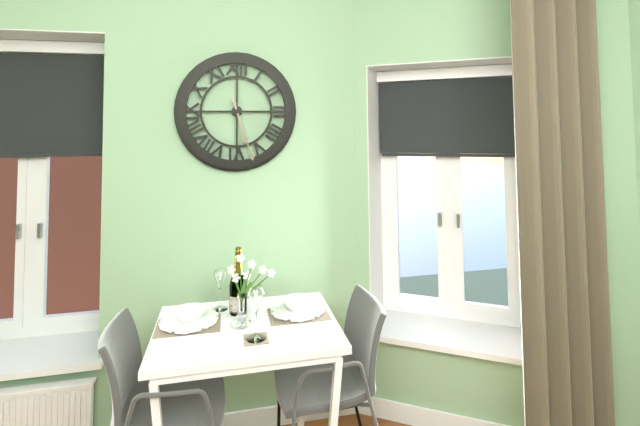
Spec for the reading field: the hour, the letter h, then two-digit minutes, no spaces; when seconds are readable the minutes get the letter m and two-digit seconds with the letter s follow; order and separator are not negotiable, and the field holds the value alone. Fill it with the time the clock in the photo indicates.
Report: 5h27
